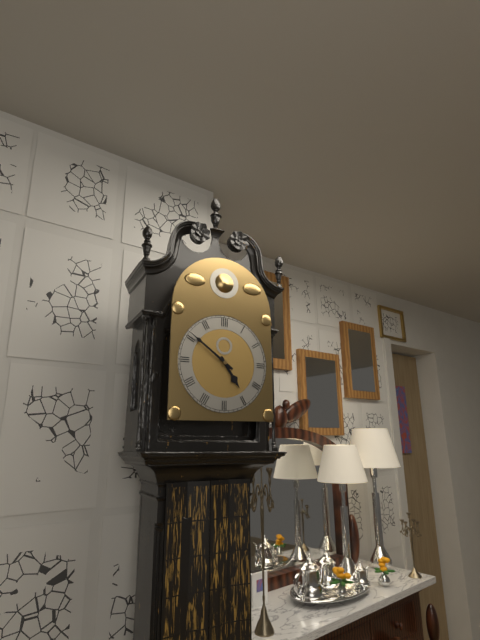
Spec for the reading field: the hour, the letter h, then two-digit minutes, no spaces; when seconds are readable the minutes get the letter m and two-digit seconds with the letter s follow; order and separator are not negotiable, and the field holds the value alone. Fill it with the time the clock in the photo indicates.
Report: 4h51
